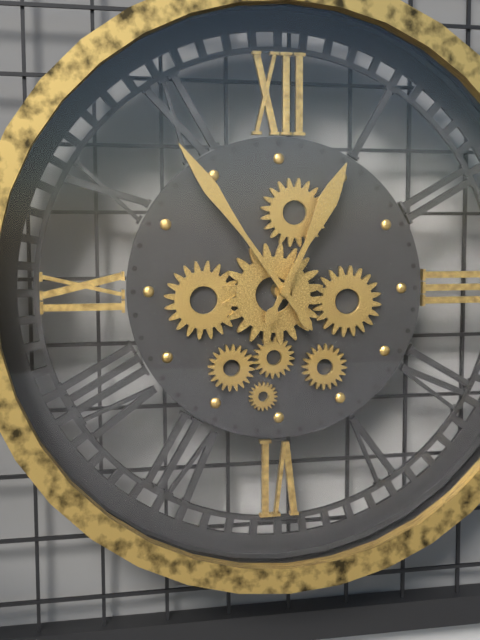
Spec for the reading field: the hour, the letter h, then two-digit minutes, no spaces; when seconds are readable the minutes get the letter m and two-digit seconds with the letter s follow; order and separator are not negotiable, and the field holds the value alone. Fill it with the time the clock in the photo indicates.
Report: 12h54
